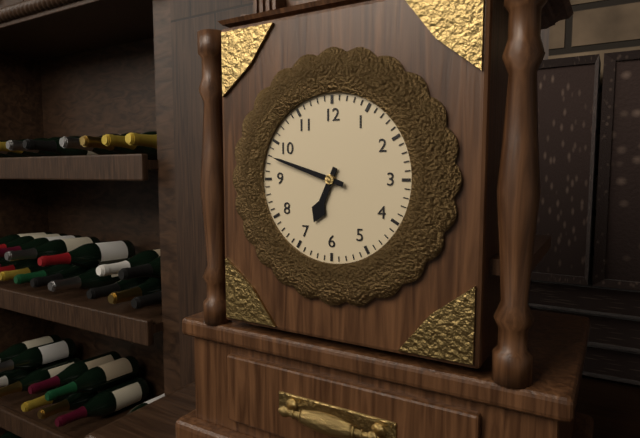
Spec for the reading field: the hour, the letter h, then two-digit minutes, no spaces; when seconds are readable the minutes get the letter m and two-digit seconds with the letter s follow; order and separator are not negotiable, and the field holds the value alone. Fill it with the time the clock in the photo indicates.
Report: 6h48
